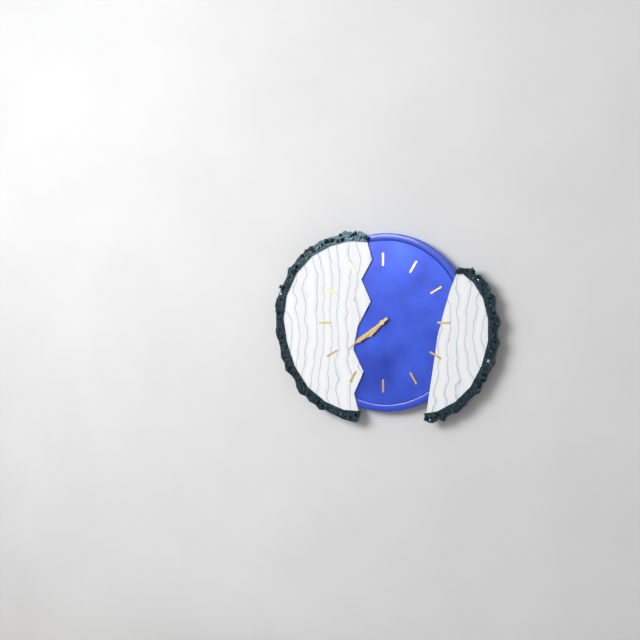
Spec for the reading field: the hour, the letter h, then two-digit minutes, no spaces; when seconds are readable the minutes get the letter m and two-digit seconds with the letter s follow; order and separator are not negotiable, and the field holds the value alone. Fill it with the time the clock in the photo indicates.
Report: 7h39
